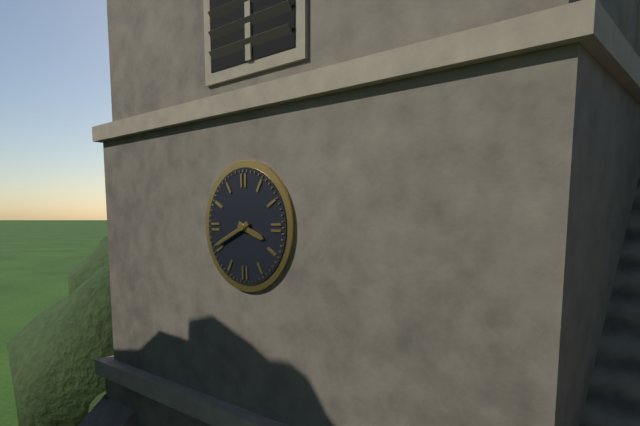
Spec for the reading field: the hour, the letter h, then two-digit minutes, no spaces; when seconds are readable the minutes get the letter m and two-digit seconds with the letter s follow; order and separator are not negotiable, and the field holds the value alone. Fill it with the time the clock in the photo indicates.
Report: 3h41
